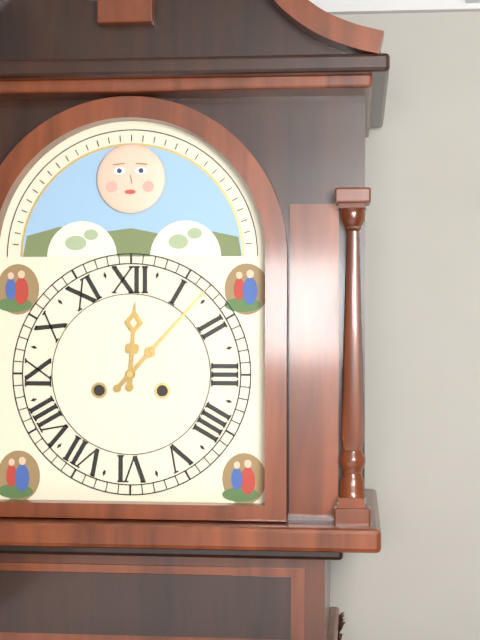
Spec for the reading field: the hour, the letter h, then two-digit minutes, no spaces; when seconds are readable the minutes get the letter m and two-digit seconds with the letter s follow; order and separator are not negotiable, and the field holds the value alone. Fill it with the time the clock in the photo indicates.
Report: 12h07
